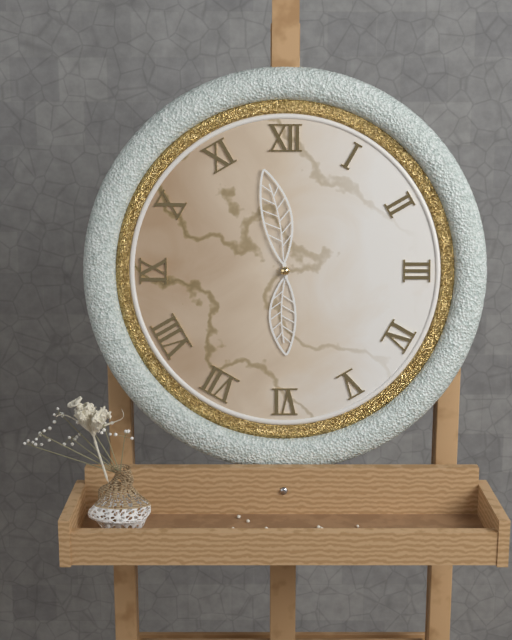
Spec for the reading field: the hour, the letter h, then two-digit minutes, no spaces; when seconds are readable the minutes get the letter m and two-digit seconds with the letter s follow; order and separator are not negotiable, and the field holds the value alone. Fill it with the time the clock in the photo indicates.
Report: 5h58
